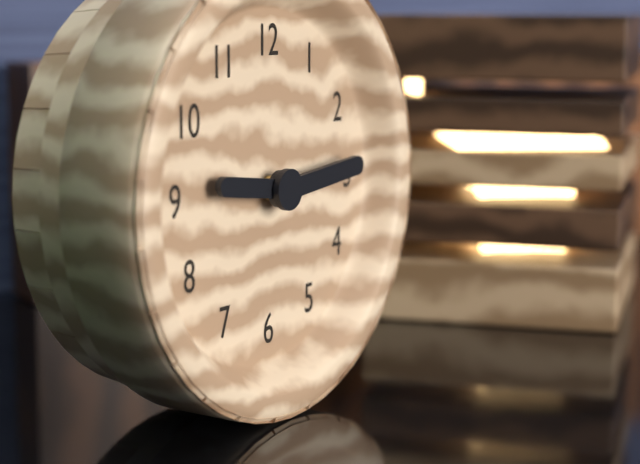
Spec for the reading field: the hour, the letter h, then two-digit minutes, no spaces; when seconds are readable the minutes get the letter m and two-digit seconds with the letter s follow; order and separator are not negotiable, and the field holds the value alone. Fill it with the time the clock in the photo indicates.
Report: 9h14
